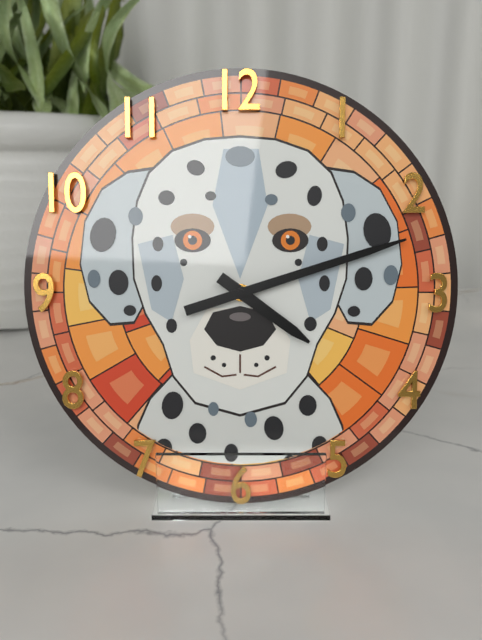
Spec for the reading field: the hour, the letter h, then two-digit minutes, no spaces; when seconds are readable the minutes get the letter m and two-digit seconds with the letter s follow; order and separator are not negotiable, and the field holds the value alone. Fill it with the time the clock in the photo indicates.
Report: 4h12
